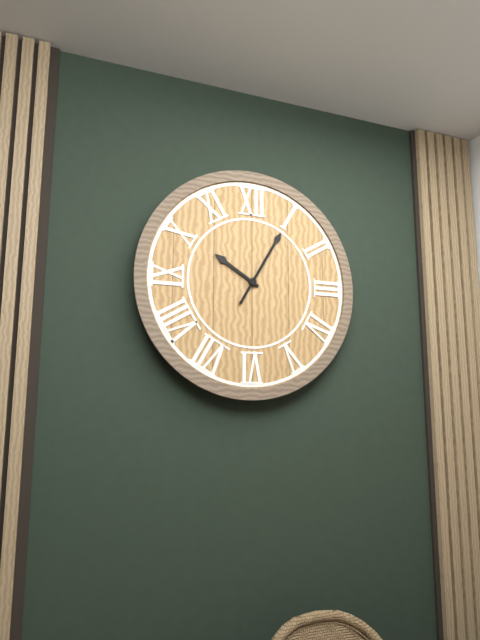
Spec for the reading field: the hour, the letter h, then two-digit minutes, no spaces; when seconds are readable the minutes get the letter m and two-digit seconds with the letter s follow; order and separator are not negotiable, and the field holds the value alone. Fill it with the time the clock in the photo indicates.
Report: 10h05
